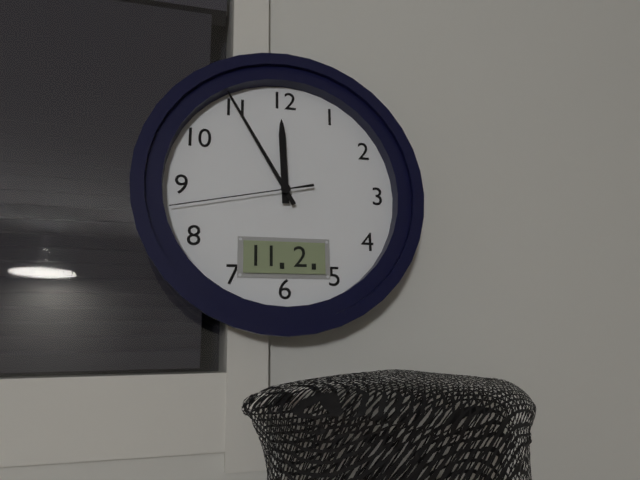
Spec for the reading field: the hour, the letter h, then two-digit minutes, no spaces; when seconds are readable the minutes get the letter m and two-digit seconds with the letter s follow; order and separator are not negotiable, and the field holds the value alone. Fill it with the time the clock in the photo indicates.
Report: 11h55m43s
